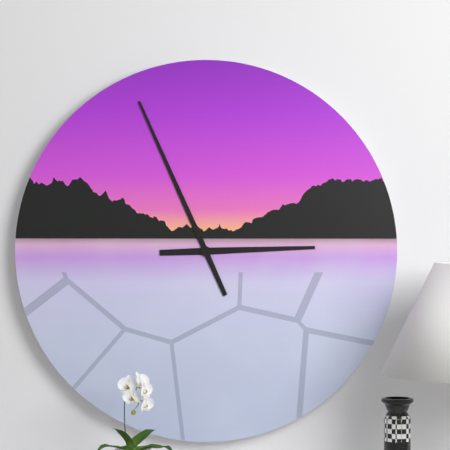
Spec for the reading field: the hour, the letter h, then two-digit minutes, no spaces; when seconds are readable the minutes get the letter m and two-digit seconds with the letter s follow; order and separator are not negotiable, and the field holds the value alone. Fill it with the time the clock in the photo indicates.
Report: 2h56
